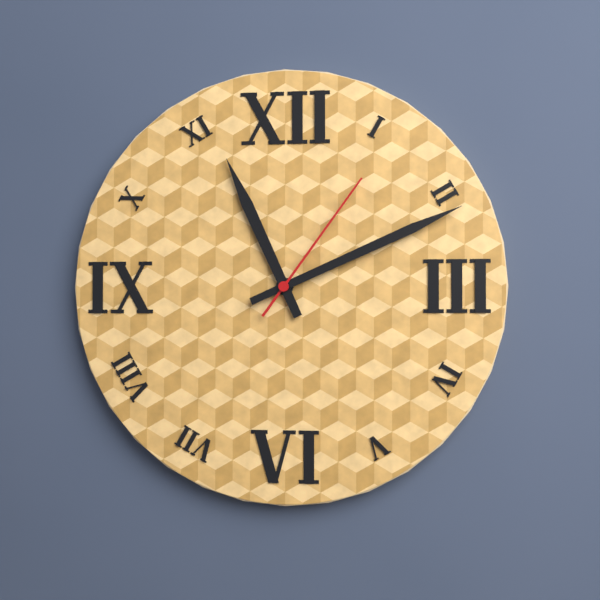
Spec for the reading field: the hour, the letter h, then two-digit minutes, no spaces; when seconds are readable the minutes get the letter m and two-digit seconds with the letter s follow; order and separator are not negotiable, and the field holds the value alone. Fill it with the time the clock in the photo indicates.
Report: 11h11m06s
